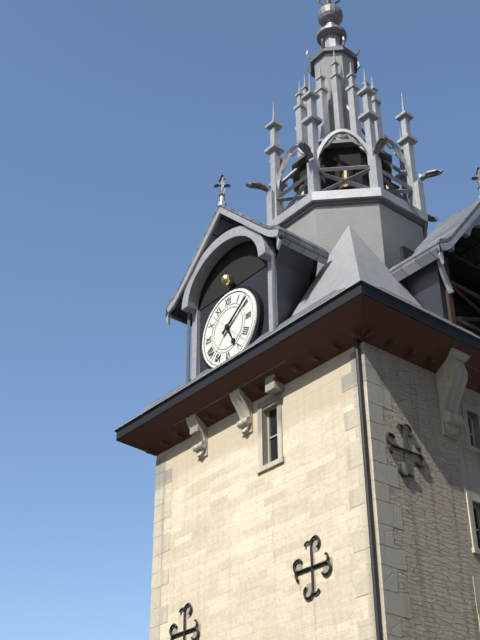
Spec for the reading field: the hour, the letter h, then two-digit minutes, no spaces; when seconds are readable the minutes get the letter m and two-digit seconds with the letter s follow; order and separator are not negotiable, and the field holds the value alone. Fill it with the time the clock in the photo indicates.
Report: 5h09
